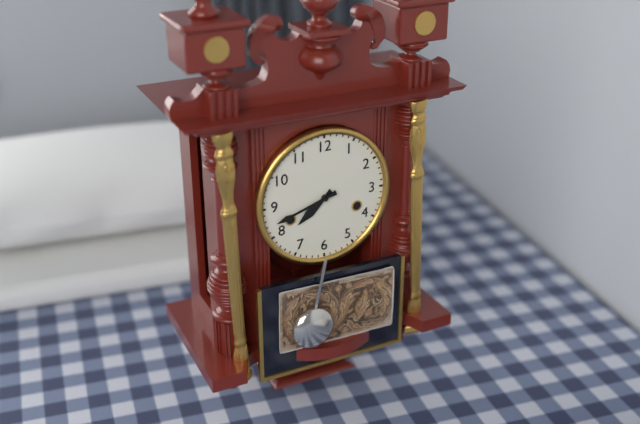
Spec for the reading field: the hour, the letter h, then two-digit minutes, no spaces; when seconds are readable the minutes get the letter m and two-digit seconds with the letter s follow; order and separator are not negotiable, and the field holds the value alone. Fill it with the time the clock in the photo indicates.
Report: 7h42
